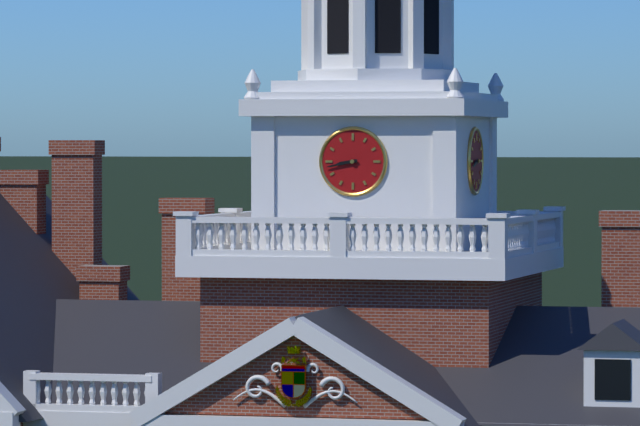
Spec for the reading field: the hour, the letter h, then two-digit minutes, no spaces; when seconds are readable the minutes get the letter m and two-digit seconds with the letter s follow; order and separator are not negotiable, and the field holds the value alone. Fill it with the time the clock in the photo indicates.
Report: 8h43
